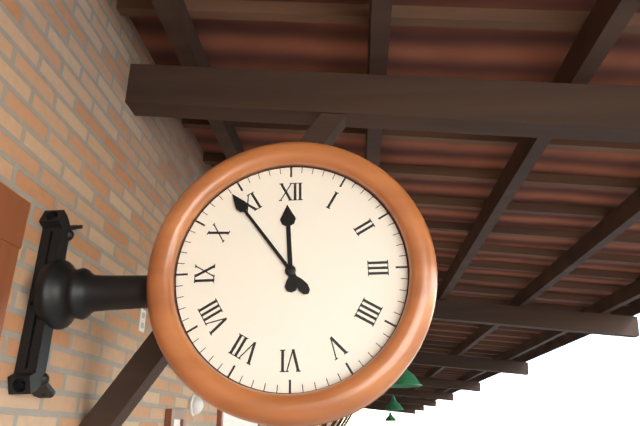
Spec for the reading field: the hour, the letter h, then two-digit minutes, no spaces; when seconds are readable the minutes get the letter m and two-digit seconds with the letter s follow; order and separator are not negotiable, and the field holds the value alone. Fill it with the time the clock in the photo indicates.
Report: 11h54
